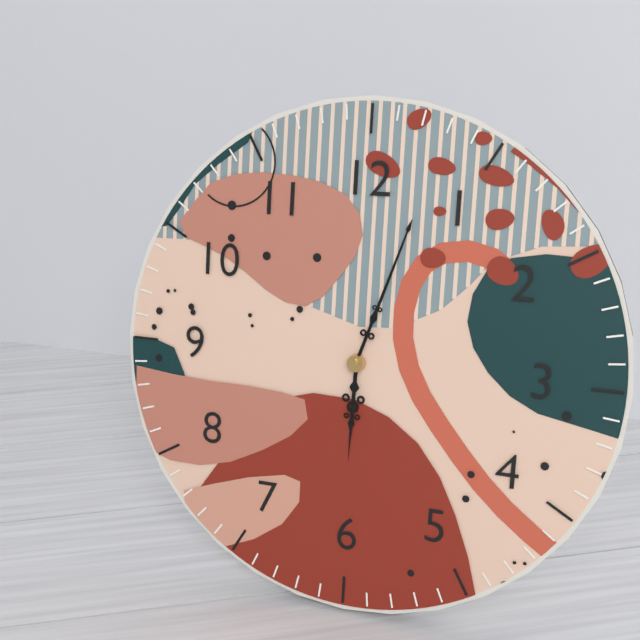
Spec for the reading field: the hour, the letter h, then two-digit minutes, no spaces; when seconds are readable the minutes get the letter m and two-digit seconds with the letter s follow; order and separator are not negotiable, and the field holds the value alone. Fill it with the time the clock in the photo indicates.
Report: 6h03
